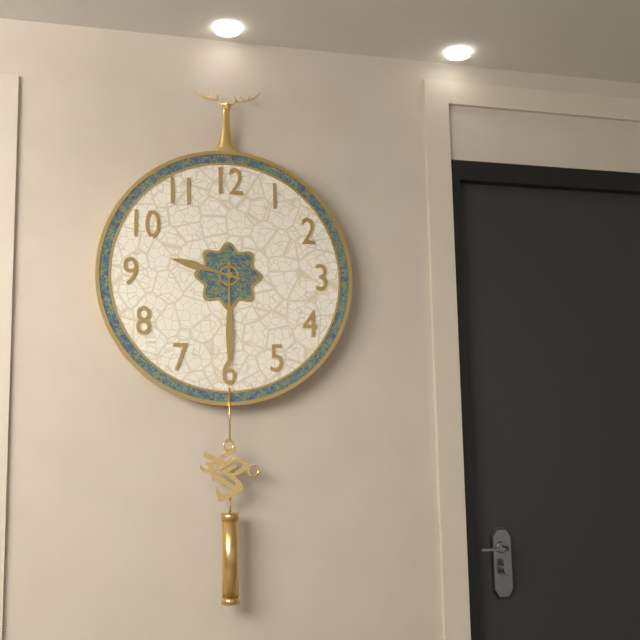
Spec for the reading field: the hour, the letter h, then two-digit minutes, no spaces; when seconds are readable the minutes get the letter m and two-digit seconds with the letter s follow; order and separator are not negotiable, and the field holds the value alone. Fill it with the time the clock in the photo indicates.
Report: 9h30
